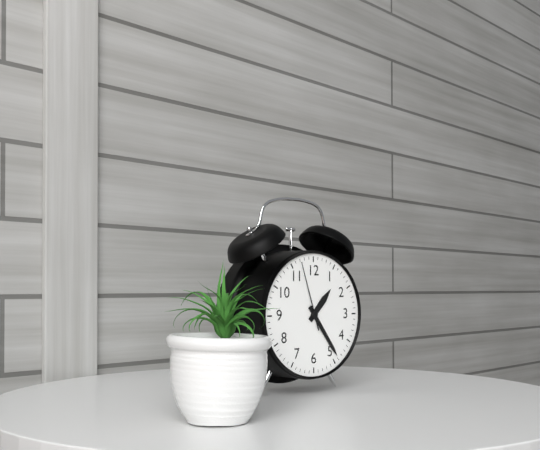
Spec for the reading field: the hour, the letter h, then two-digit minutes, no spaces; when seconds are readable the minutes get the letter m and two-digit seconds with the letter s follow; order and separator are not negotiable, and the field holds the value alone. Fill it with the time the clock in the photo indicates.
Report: 1h24m57s
